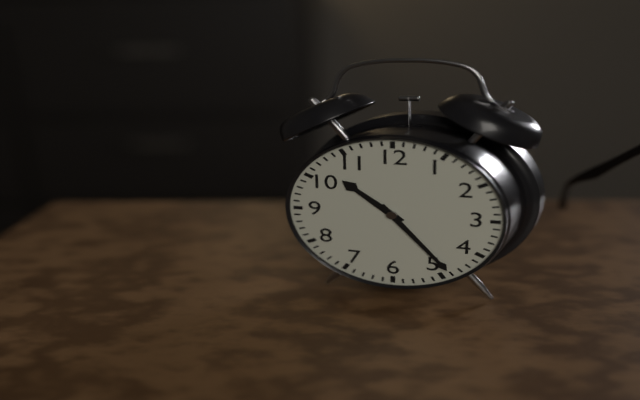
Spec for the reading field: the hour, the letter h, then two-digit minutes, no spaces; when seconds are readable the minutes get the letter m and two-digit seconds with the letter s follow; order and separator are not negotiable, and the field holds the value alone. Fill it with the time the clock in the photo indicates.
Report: 10h24
